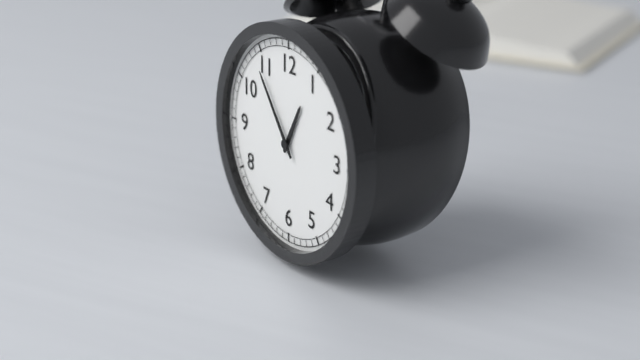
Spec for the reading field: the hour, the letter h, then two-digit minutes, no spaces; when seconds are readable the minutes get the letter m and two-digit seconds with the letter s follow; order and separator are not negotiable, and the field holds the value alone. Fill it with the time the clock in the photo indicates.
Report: 12h54
